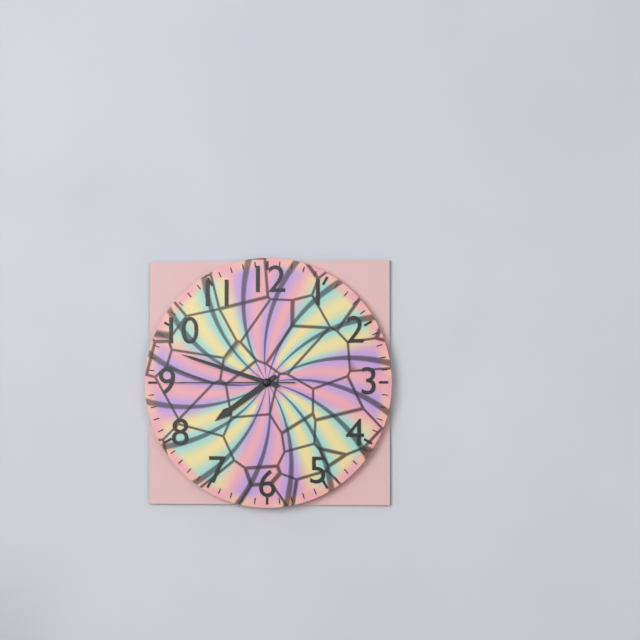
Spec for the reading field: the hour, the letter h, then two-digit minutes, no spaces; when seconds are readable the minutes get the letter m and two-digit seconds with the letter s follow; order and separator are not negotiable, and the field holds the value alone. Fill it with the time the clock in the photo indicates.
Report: 7h48m45s
